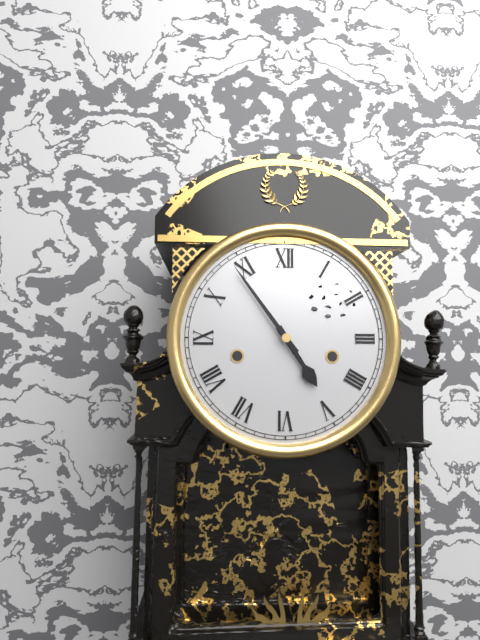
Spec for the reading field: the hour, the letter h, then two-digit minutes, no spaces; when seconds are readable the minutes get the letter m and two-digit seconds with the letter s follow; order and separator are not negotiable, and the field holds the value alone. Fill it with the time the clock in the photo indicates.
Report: 4h54
